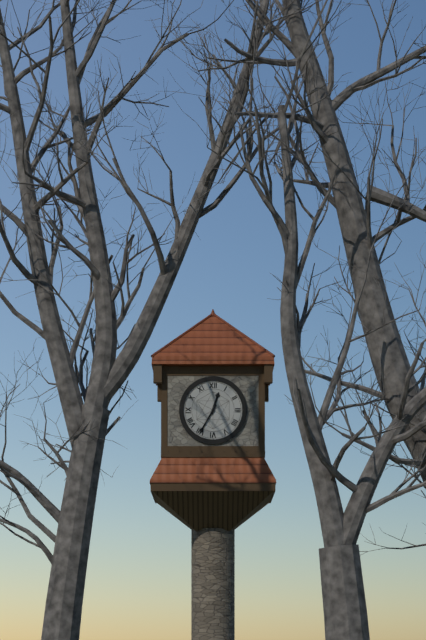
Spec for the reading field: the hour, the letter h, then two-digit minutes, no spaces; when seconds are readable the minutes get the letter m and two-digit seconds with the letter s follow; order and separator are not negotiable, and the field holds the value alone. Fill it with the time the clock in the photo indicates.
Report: 12h35
